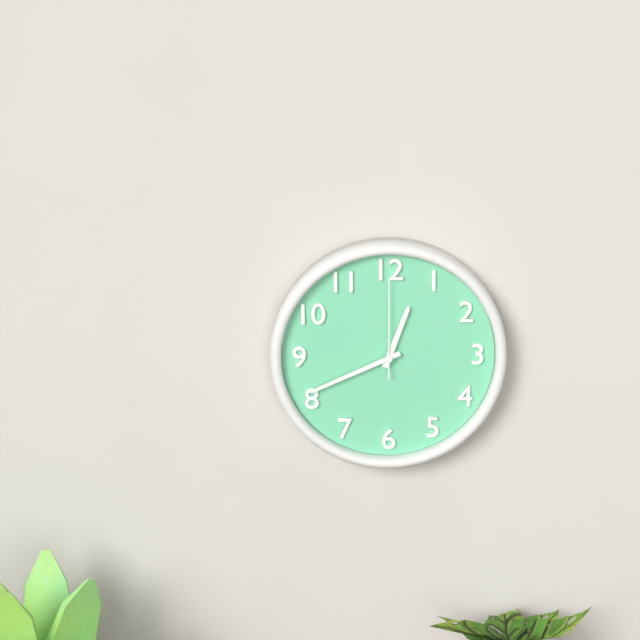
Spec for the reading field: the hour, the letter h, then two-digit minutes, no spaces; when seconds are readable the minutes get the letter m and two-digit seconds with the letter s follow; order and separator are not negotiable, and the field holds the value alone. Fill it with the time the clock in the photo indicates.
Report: 12h41m00s
